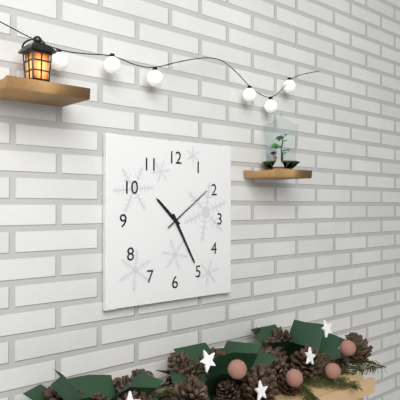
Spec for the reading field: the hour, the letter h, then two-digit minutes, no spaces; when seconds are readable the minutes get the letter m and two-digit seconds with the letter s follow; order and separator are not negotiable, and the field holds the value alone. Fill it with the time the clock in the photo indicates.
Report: 10h25m09s
